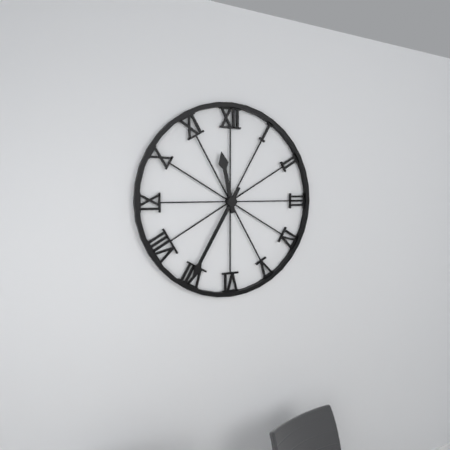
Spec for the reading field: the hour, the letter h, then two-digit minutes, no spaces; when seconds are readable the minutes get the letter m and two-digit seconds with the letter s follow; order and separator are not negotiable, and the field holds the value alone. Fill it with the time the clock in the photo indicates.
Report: 11h35
